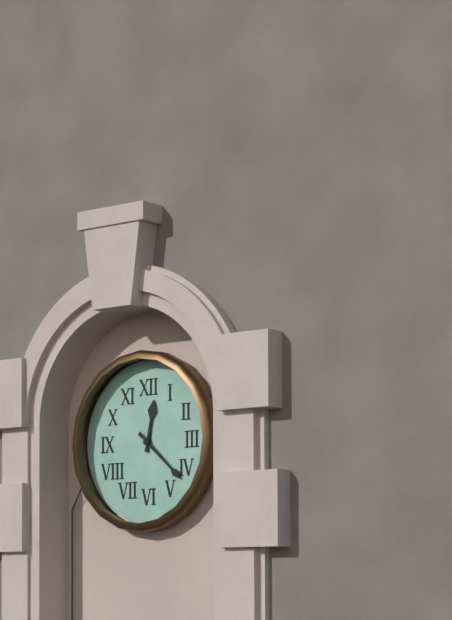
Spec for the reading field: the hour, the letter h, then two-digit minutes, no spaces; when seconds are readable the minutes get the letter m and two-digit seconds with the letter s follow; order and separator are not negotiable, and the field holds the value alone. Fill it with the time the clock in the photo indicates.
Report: 12h22
